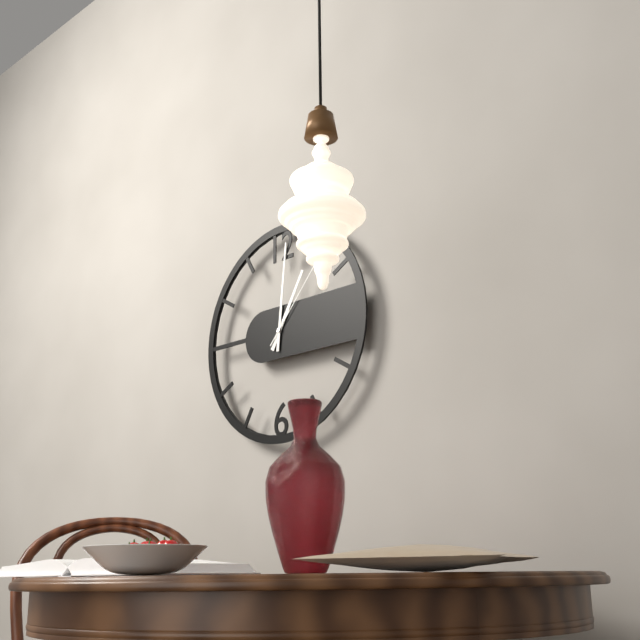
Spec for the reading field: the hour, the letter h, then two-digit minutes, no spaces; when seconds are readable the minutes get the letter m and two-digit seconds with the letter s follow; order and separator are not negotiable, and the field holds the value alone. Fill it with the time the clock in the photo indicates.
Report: 1h01m07s
